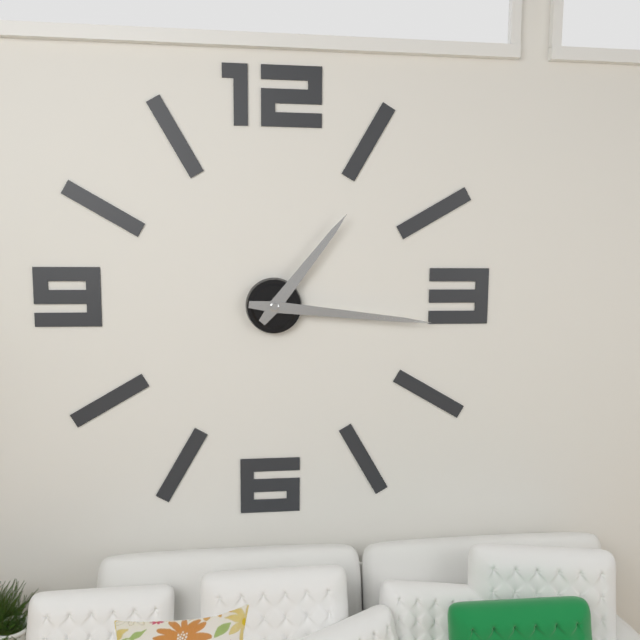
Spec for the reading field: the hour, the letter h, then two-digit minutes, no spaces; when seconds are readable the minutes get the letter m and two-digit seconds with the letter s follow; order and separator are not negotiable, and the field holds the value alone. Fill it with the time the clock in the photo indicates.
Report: 1h16
